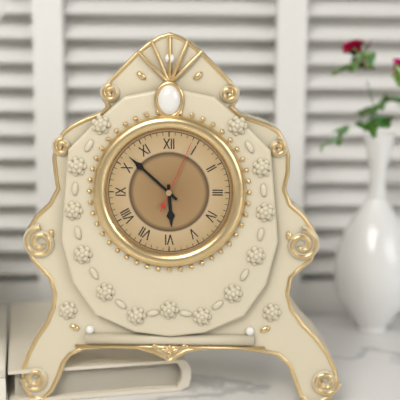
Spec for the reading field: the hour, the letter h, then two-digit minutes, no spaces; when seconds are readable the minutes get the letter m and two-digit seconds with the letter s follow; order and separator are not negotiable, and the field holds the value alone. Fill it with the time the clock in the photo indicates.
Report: 5h52m04s
